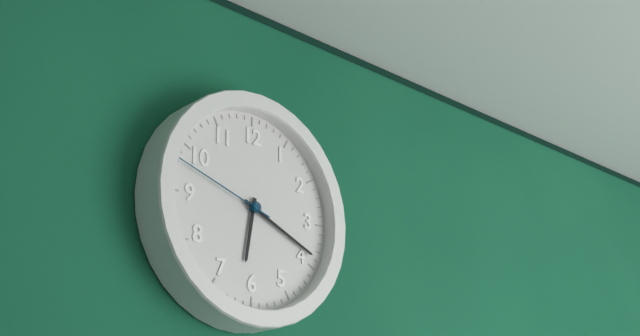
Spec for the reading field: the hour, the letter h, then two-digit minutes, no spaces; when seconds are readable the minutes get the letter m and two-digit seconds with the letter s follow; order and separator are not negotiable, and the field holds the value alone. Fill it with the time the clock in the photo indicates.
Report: 6h19m48s
